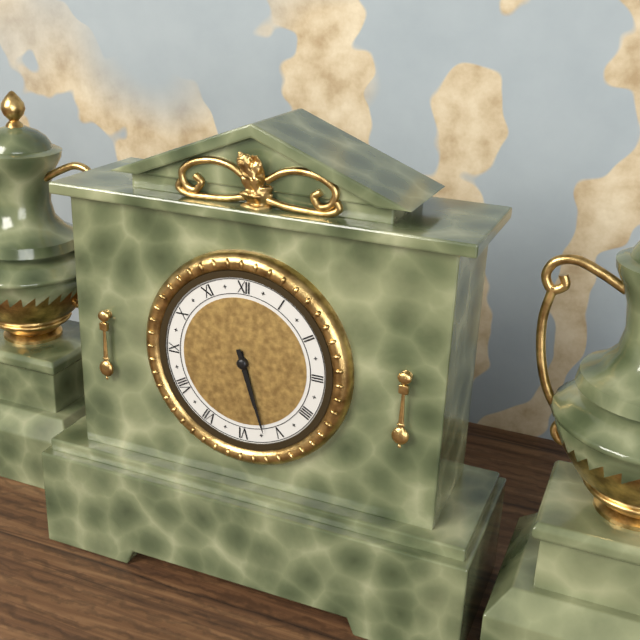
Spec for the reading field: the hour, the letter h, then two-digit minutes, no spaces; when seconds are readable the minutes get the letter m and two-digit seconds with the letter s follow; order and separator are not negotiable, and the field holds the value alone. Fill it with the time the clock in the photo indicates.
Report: 5h27
